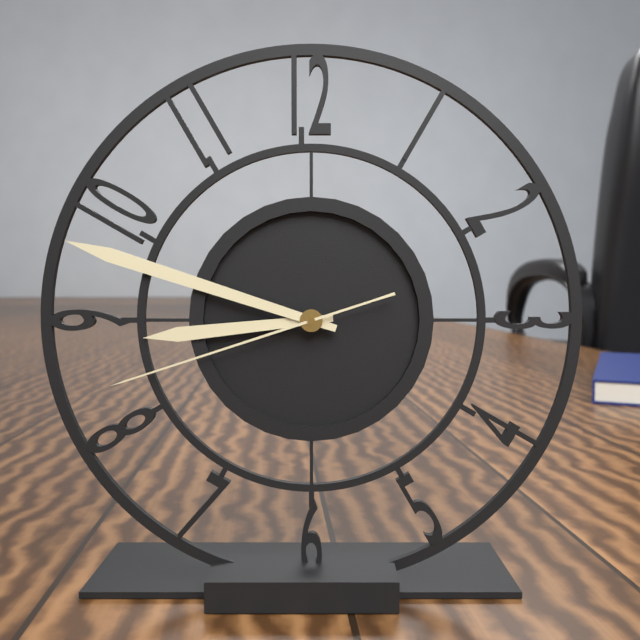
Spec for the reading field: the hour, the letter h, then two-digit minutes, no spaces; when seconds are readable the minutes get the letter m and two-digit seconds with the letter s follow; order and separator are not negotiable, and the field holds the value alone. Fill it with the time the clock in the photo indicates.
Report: 8h48m42s
